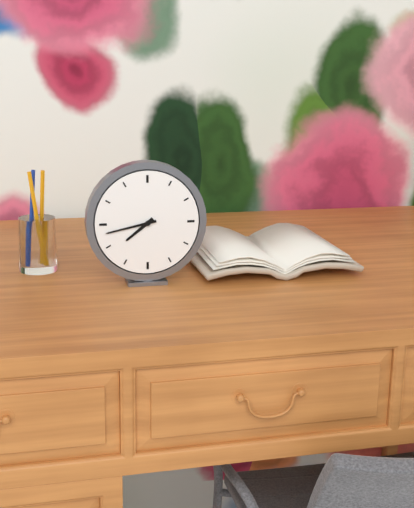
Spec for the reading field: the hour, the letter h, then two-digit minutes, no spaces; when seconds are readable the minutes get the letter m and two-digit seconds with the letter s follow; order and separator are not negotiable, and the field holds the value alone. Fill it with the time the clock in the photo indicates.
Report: 7h43
